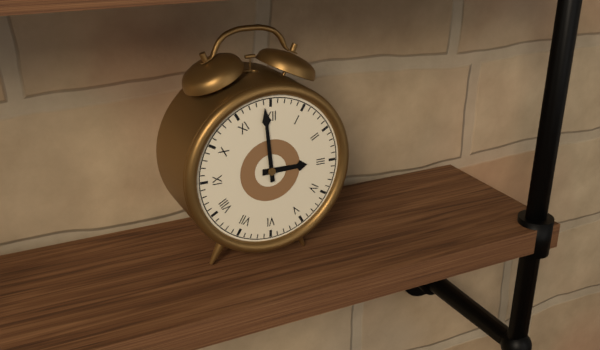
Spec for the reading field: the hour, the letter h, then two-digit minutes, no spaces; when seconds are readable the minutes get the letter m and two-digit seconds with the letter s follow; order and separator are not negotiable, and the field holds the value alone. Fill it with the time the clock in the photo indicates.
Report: 2h59
